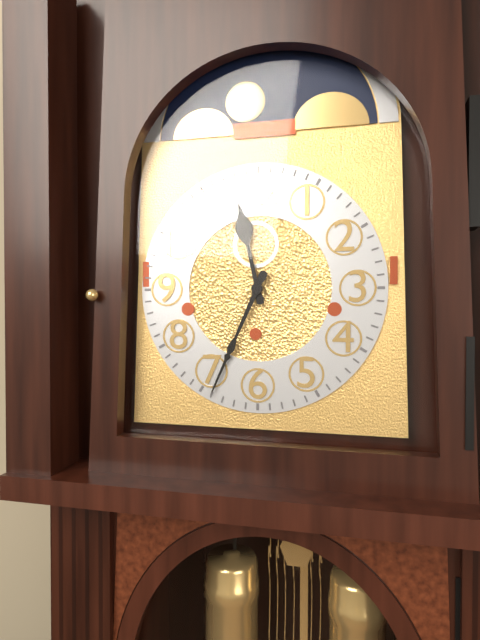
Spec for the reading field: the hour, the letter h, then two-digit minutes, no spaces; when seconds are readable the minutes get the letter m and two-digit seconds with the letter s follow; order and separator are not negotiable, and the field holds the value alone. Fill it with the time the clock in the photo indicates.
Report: 11h34
